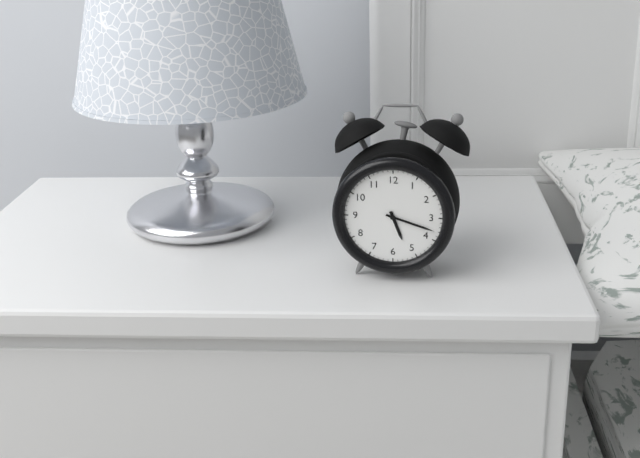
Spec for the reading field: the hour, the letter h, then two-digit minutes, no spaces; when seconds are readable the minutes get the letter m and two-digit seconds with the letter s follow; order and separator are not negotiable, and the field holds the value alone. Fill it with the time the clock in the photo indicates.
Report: 5h18
